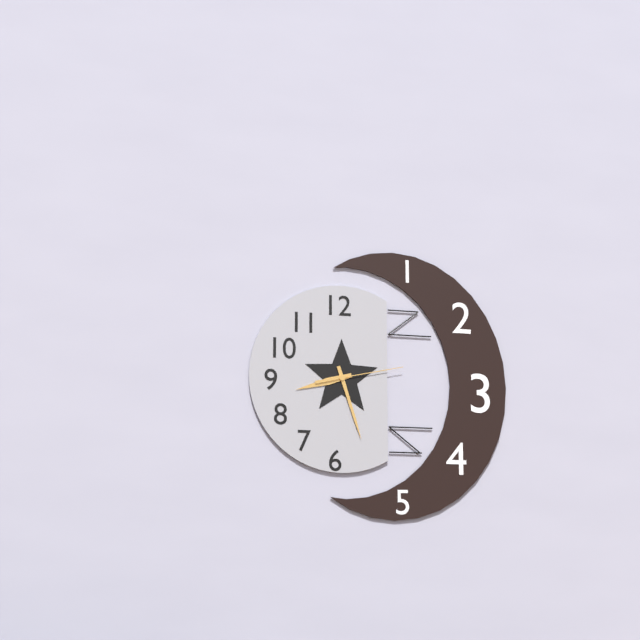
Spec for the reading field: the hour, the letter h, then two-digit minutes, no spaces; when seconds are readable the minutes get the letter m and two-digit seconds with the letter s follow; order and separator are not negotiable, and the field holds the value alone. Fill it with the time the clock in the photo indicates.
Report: 8h27m13s
